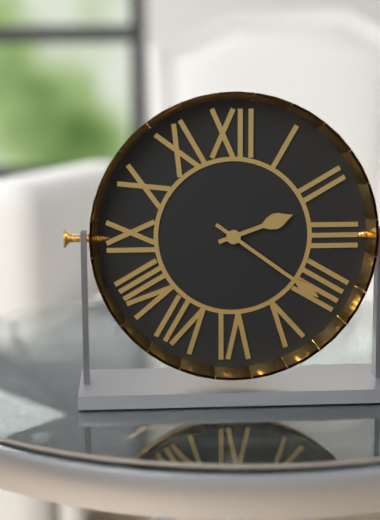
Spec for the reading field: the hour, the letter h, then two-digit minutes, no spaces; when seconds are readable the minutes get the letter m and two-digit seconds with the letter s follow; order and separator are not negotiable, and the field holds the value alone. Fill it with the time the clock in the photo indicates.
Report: 2h21
